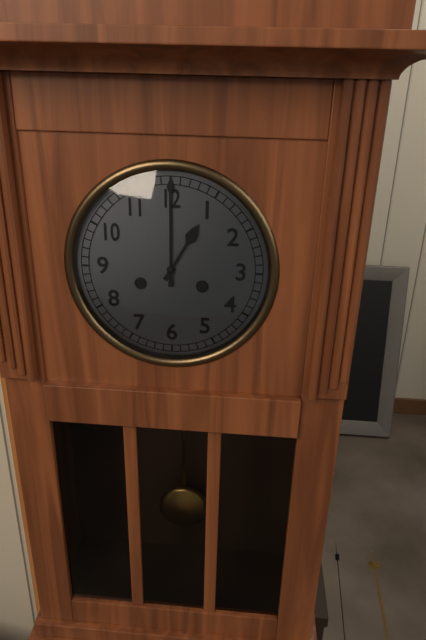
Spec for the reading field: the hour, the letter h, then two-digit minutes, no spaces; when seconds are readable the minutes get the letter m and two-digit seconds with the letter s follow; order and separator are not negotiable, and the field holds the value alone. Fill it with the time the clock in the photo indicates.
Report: 1h00
